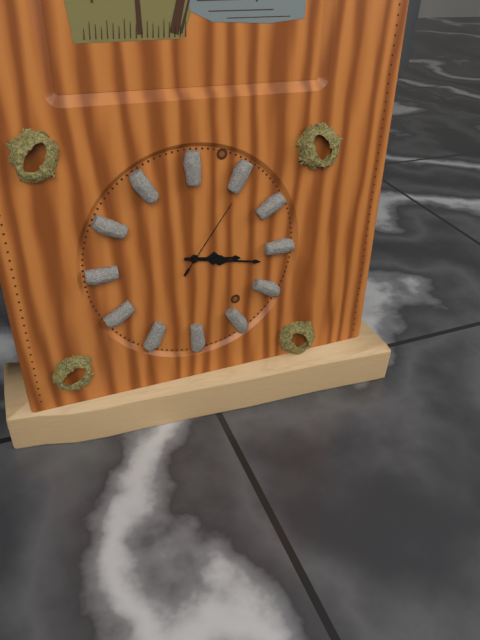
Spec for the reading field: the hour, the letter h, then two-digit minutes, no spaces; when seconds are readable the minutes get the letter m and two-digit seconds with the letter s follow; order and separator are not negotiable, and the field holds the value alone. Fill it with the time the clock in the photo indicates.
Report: 3h17m06s
